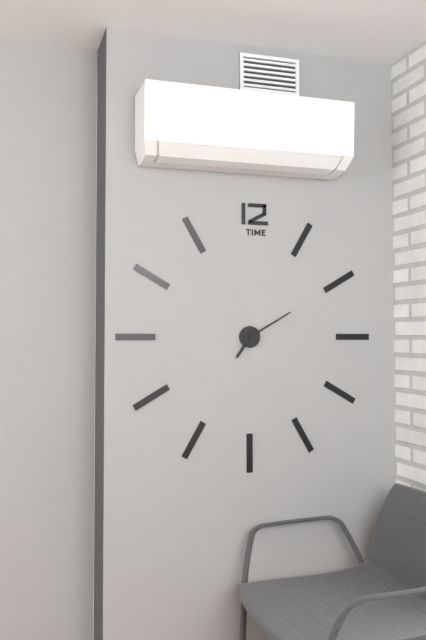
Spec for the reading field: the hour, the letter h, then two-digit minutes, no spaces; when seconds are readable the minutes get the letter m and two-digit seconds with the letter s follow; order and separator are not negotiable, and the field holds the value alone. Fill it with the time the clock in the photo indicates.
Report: 7h10
